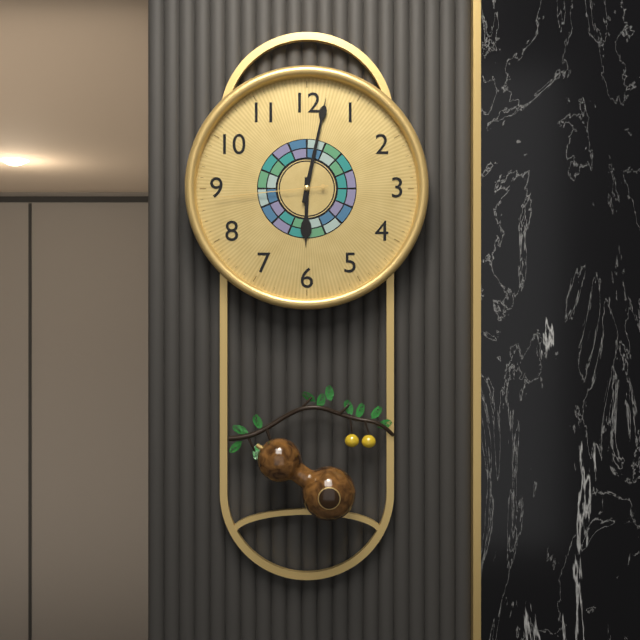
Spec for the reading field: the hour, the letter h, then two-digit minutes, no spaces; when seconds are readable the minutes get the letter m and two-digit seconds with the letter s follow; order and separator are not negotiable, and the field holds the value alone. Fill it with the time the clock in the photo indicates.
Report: 6h02m44s
